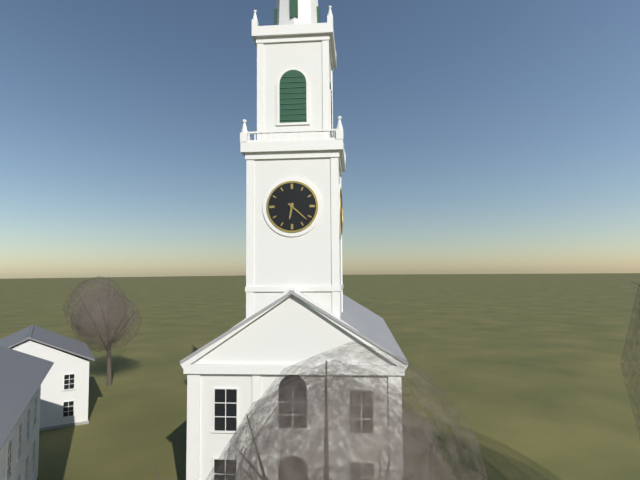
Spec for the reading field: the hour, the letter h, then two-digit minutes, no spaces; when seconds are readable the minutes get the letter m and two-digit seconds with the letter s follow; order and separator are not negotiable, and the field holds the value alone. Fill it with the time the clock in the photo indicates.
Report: 6h22
